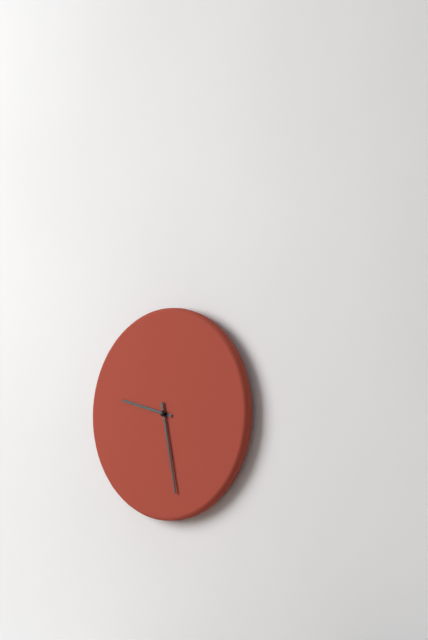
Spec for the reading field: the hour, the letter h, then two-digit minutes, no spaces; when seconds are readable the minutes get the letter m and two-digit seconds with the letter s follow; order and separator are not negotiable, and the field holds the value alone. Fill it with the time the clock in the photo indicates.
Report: 9h28
